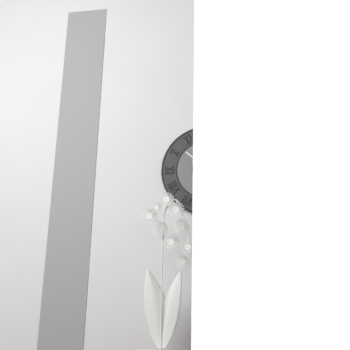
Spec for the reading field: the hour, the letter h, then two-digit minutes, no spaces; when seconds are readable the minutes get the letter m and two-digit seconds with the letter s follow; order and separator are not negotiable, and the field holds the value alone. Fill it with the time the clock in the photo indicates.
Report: 3h52
